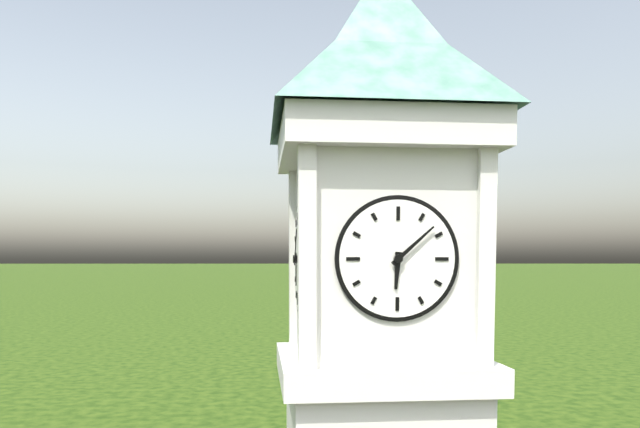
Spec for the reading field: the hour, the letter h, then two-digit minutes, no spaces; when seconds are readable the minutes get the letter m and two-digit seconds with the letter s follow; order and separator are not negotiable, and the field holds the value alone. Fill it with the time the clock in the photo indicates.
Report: 6h08
